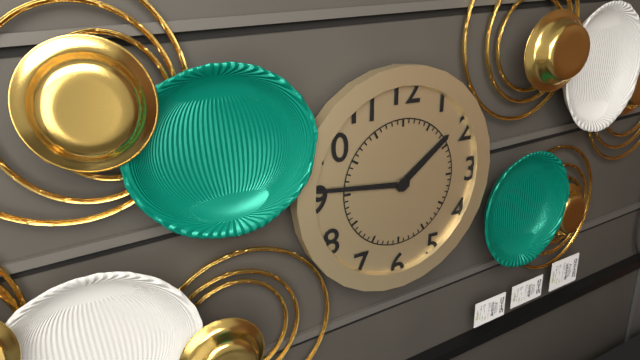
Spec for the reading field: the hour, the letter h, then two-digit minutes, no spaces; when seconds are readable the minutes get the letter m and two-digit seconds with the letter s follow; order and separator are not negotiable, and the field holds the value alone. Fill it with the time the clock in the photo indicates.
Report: 1h46
